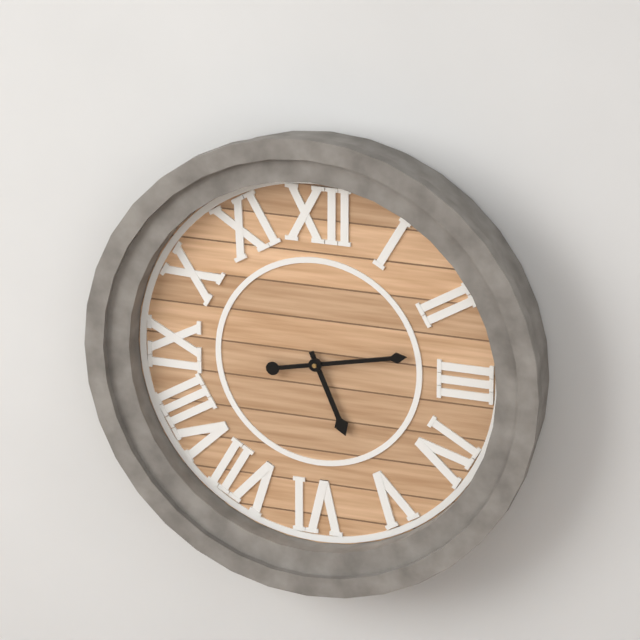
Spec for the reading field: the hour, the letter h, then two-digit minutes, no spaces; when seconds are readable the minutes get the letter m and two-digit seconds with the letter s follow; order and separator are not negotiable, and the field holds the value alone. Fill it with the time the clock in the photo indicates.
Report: 5h13
